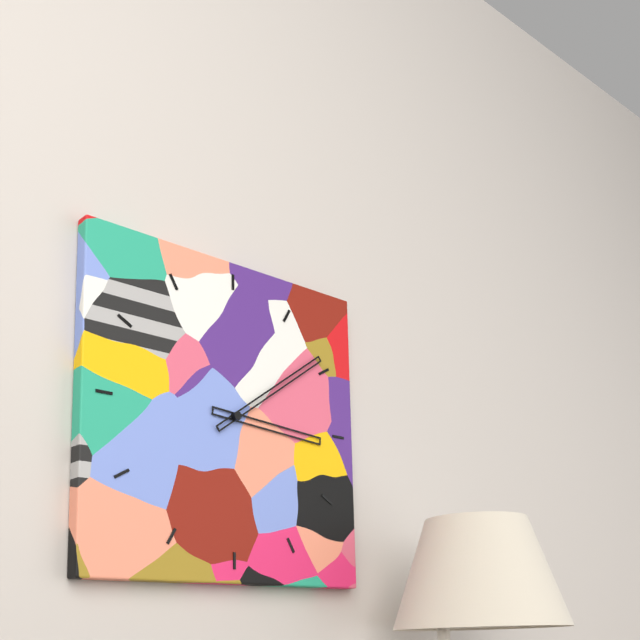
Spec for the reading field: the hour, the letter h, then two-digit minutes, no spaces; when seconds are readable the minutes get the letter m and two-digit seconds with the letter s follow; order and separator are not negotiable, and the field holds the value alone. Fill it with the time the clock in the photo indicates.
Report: 3h09
